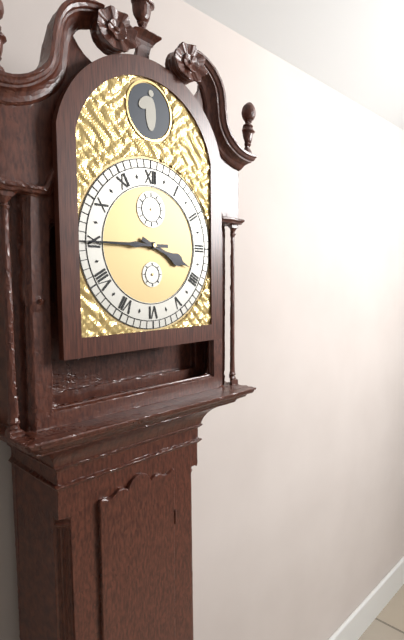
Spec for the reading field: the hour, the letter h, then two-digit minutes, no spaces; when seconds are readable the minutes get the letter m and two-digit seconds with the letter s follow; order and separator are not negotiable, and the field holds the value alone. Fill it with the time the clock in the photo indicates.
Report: 3h45
